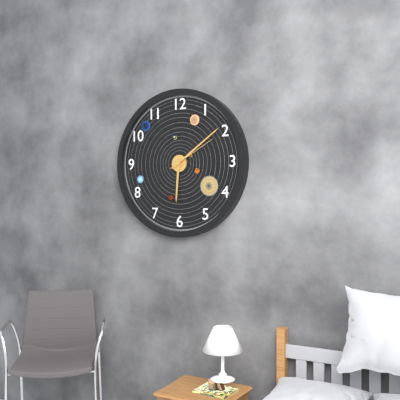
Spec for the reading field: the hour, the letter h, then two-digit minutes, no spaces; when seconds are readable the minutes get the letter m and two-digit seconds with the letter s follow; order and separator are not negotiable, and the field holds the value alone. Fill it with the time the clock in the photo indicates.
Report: 6h09m10s
